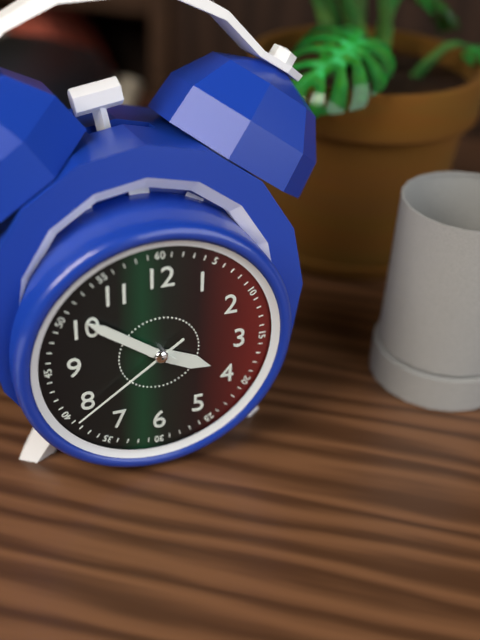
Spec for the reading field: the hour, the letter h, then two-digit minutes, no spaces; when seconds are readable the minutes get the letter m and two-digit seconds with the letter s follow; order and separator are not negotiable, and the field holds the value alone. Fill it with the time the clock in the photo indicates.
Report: 3h51m39s
